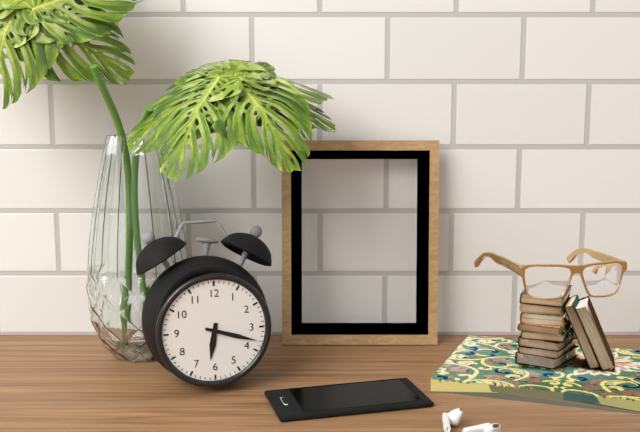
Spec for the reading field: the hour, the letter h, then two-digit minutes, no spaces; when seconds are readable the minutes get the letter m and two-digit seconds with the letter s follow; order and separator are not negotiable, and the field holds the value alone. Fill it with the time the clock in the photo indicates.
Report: 6h18
